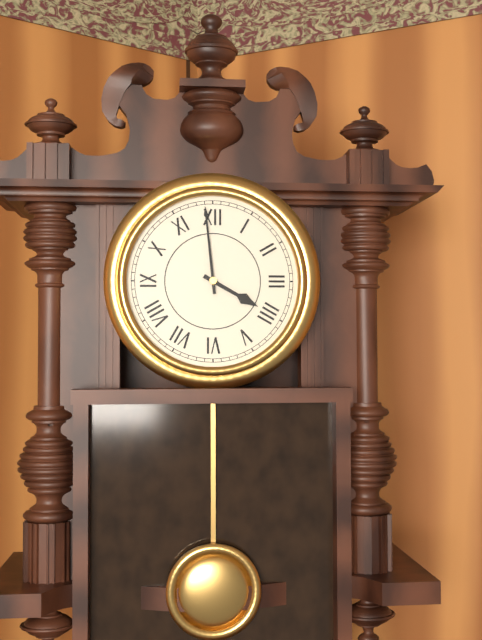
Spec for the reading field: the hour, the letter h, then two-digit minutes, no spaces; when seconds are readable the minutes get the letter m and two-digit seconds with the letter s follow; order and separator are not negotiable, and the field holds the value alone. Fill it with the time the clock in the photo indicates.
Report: 3h59
